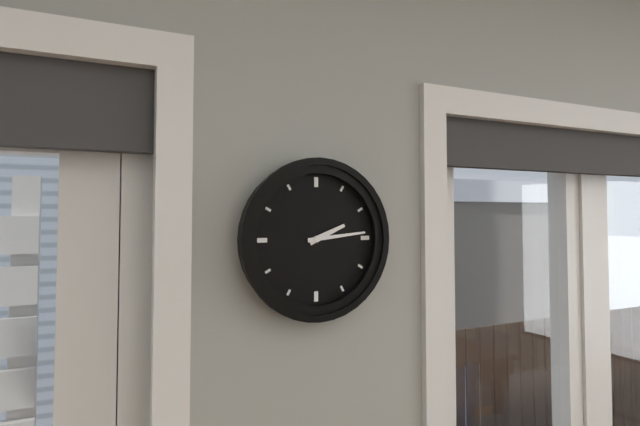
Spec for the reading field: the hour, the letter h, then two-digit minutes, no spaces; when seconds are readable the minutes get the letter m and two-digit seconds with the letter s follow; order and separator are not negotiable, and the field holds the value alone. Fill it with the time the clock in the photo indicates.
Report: 2h14
